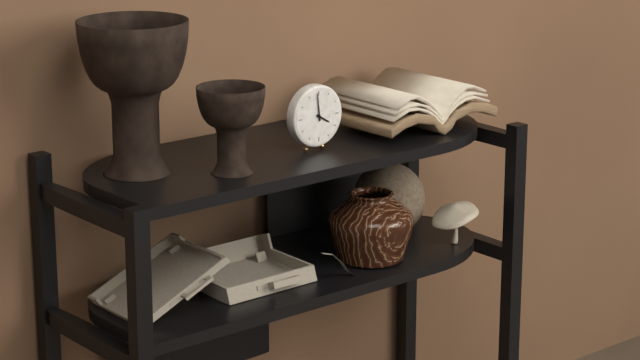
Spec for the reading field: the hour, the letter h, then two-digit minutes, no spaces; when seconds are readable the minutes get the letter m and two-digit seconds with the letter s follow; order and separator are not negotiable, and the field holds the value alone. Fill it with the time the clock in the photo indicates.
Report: 3h59
